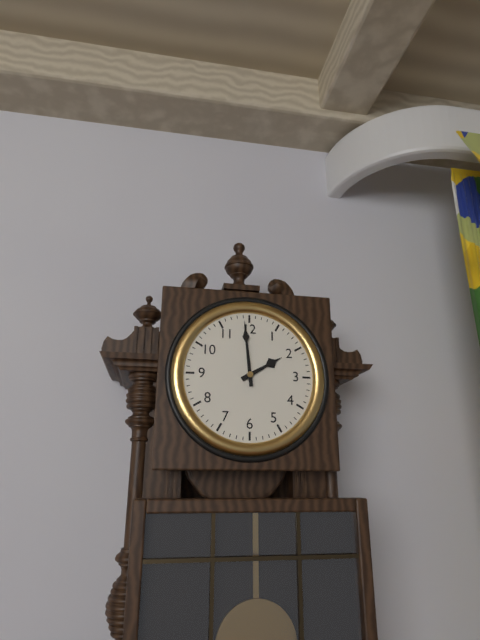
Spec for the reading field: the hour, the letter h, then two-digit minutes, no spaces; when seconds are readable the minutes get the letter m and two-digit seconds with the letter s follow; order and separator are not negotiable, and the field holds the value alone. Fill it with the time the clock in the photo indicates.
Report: 1h59
